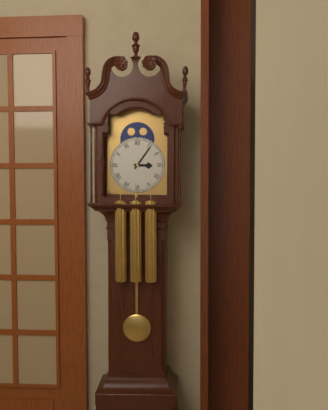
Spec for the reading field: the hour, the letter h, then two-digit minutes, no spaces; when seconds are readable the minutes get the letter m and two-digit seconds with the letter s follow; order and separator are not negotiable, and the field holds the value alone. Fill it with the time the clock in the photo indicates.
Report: 3h06
